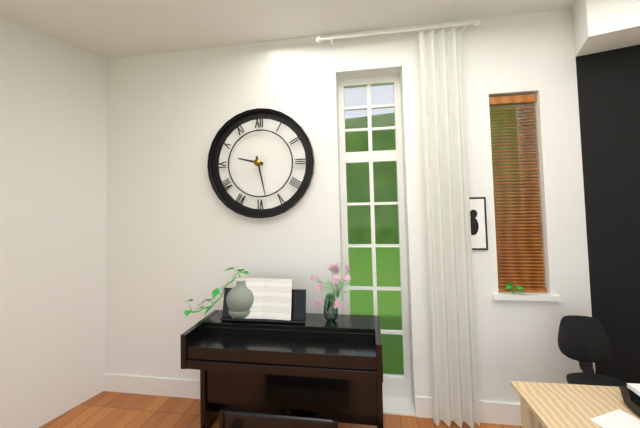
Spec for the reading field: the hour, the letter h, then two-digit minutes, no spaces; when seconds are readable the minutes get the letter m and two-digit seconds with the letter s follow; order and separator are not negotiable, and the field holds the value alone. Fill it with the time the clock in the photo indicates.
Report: 9h28
